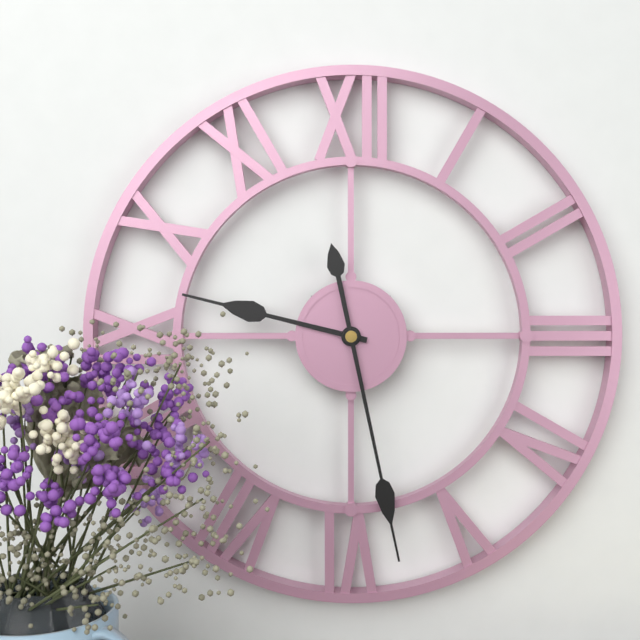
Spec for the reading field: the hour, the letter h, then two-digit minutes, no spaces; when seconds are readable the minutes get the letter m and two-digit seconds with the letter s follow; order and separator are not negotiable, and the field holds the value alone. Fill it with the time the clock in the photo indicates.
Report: 9h28
